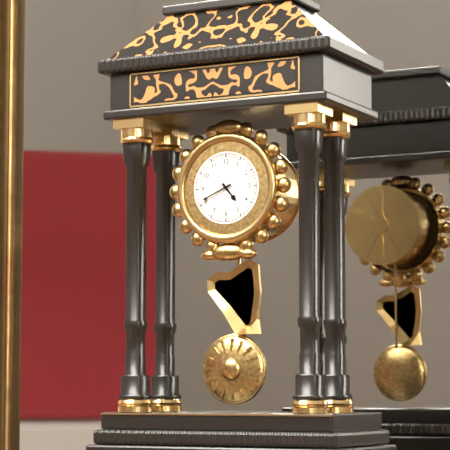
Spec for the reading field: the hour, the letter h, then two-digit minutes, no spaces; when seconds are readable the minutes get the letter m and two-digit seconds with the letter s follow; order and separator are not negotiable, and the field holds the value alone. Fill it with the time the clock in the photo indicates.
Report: 4h41
